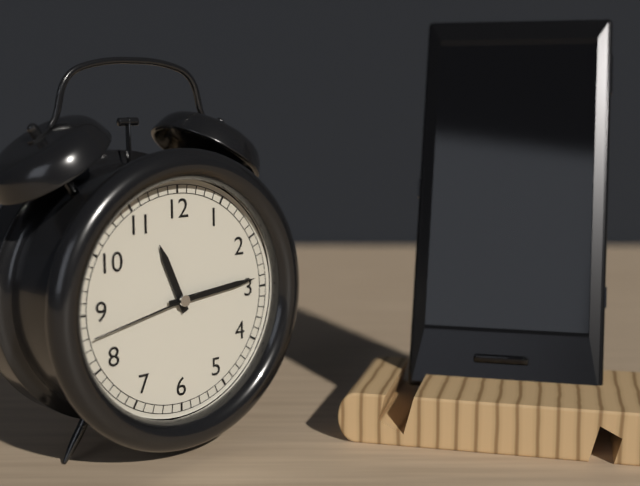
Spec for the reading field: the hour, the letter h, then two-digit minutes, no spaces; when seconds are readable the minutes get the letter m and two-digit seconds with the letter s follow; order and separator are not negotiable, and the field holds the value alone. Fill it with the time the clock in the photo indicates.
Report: 11h14m43s
